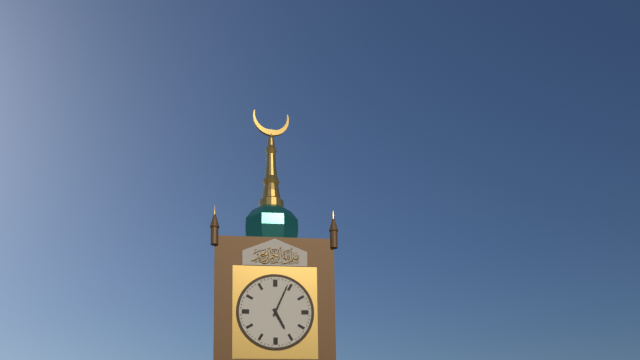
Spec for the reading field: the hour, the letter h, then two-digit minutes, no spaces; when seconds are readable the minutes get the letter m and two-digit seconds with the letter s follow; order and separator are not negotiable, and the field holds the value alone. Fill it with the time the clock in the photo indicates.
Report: 5h04
